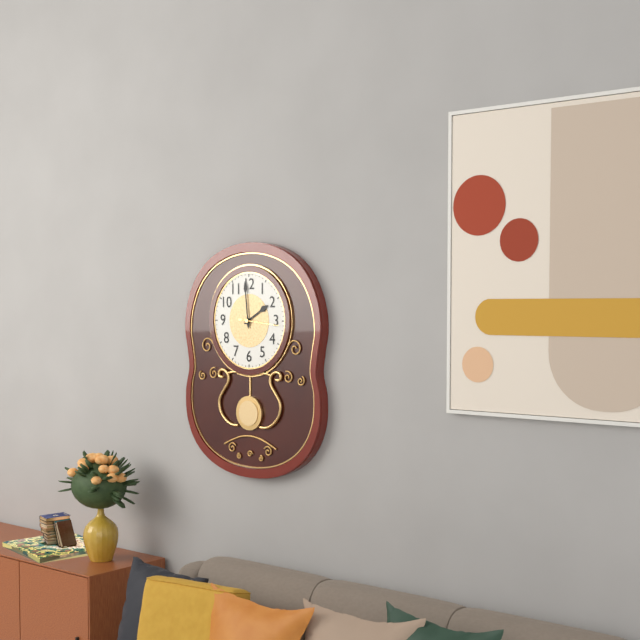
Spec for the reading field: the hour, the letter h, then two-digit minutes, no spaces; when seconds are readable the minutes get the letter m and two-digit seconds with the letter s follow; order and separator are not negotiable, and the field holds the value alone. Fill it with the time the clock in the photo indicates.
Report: 1h59
